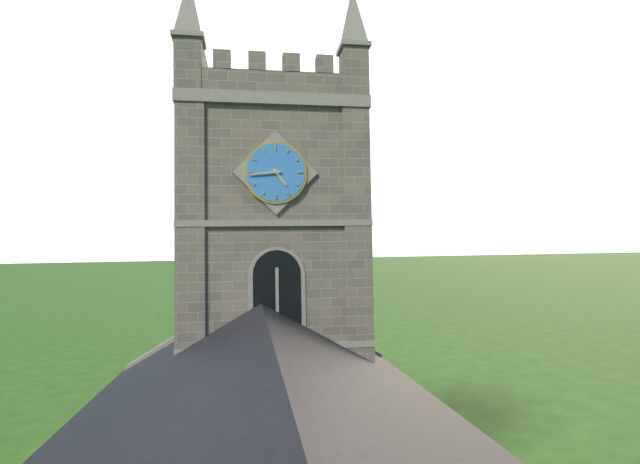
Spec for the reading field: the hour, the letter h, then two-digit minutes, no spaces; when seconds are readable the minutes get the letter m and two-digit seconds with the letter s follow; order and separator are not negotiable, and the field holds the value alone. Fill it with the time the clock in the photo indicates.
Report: 4h44
